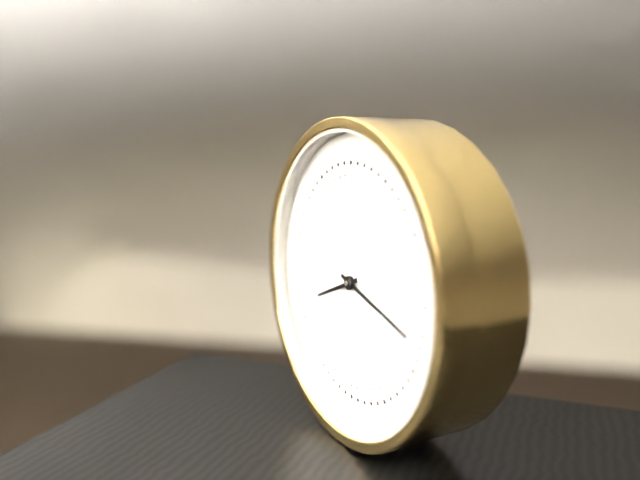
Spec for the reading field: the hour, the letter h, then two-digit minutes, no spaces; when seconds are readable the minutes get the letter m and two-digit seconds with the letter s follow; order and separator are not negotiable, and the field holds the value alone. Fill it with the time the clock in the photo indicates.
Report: 8h18
